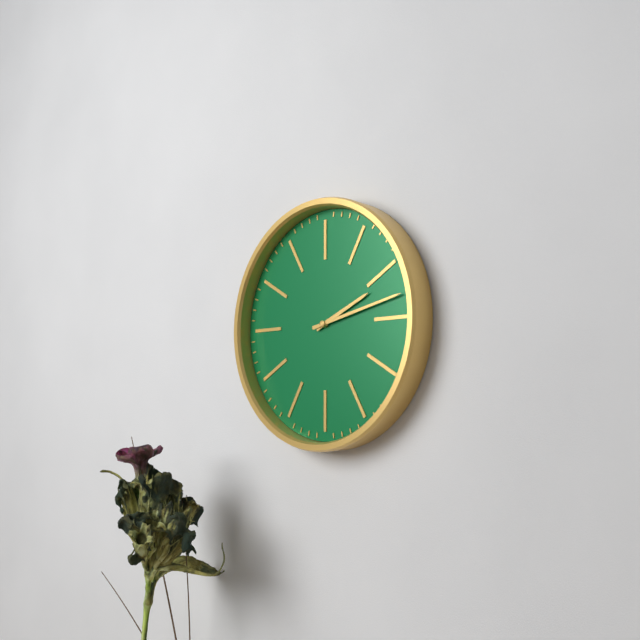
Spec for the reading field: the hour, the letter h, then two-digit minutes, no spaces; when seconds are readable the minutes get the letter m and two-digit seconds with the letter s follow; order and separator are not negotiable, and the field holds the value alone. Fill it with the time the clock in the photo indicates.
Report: 2h13
